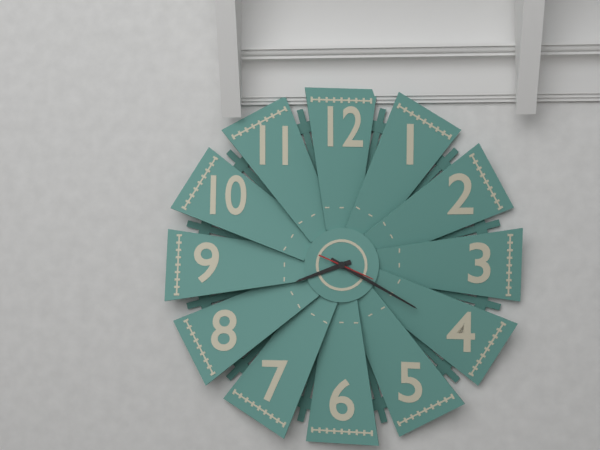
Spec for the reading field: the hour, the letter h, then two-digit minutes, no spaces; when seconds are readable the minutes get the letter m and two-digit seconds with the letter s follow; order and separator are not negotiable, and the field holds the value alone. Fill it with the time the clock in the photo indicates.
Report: 8h20
